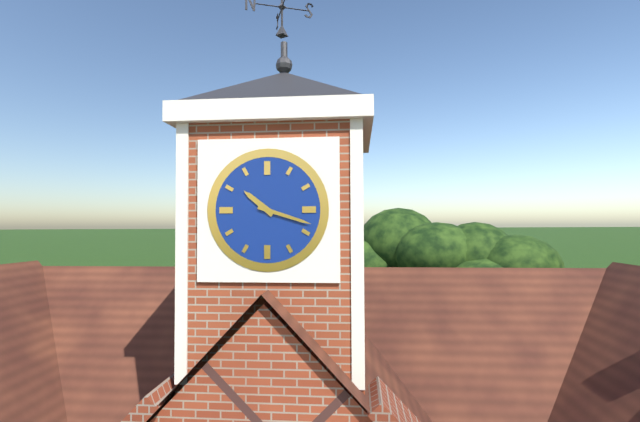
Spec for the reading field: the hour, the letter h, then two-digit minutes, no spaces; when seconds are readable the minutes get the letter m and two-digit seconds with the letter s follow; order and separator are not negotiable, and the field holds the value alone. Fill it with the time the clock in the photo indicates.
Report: 10h18
